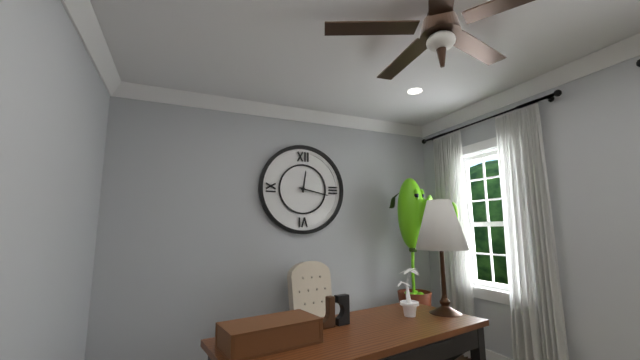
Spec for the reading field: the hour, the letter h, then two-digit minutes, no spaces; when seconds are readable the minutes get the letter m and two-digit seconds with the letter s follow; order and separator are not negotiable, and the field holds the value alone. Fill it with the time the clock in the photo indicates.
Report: 12h17
